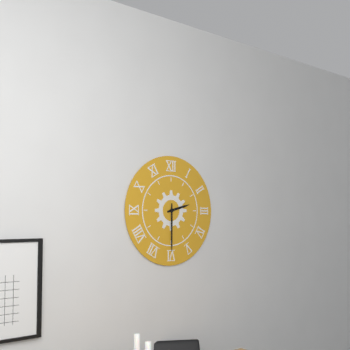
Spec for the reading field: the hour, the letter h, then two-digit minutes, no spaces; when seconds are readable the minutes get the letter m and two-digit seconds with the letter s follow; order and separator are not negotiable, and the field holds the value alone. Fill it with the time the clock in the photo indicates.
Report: 2h30
